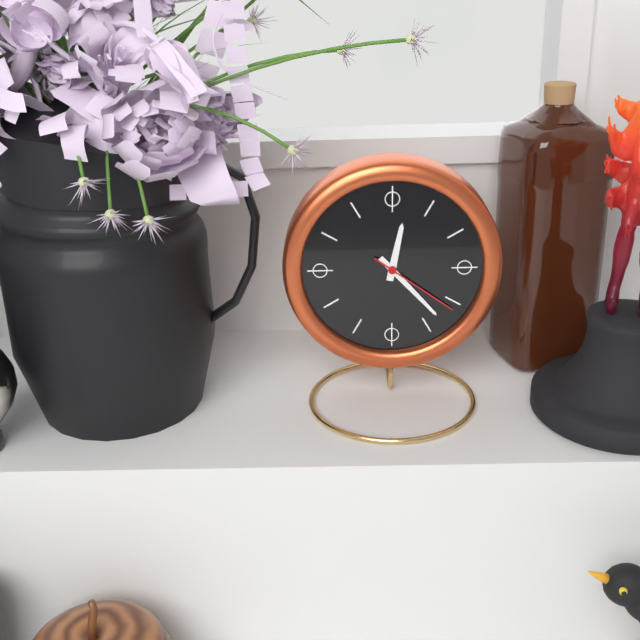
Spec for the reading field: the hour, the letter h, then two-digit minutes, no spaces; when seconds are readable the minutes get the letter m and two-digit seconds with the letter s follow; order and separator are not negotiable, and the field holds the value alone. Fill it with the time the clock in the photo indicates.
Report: 12h23m21s
